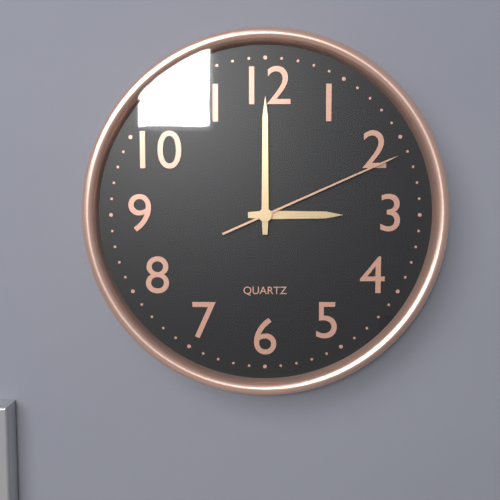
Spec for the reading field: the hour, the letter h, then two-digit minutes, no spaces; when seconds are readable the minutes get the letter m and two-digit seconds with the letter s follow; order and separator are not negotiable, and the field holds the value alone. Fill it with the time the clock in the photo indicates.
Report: 3h00m11s
